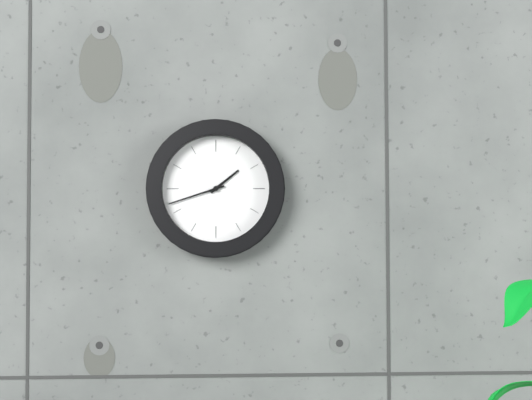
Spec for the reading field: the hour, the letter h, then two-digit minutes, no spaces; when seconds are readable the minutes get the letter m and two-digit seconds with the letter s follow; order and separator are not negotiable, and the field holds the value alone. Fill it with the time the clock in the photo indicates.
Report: 1h42
